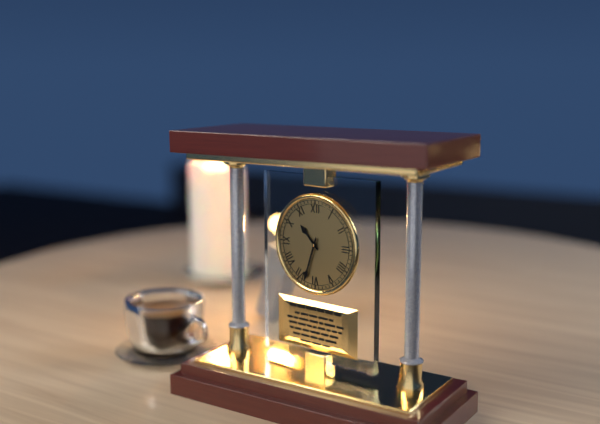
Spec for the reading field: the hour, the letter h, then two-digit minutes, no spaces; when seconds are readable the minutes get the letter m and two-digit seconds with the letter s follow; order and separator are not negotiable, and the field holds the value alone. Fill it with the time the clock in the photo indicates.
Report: 10h33
